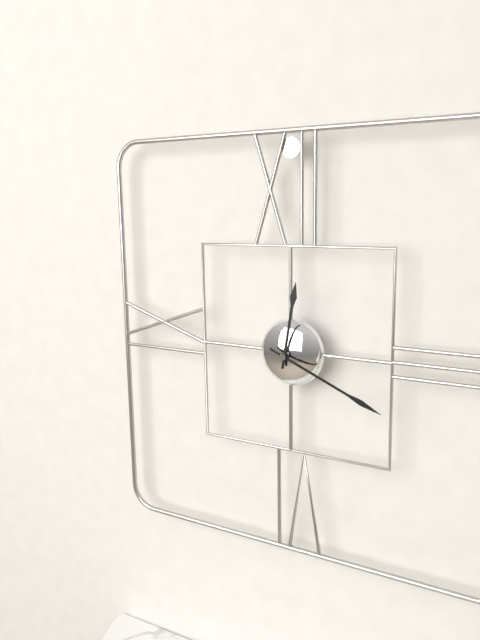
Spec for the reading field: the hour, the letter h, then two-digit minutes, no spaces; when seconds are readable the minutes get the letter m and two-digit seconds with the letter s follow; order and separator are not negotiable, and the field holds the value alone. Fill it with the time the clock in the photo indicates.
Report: 12h19
